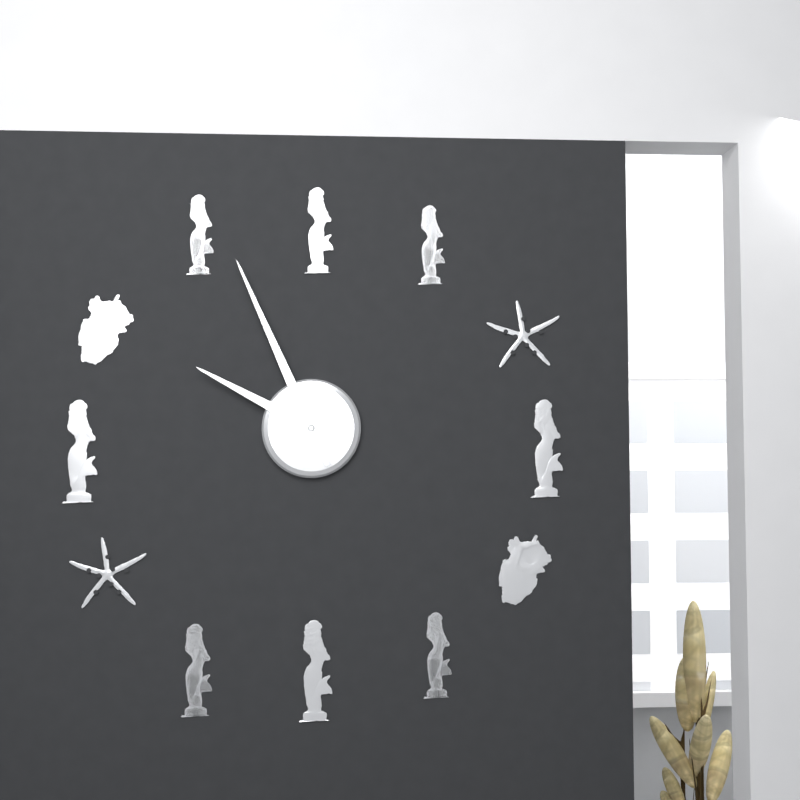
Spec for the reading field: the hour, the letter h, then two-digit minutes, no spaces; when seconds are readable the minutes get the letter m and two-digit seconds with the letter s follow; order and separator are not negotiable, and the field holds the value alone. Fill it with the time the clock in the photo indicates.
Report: 9h56
